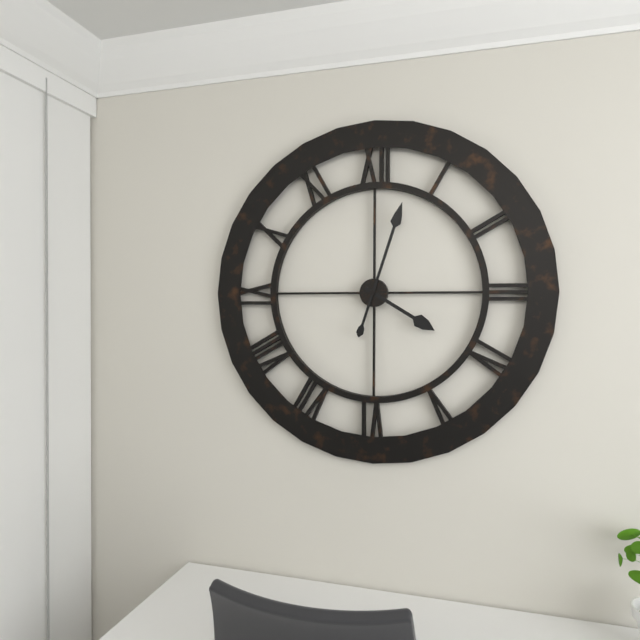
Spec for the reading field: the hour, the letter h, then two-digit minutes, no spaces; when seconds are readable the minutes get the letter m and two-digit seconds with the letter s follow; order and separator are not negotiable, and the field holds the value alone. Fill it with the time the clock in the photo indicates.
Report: 4h03
